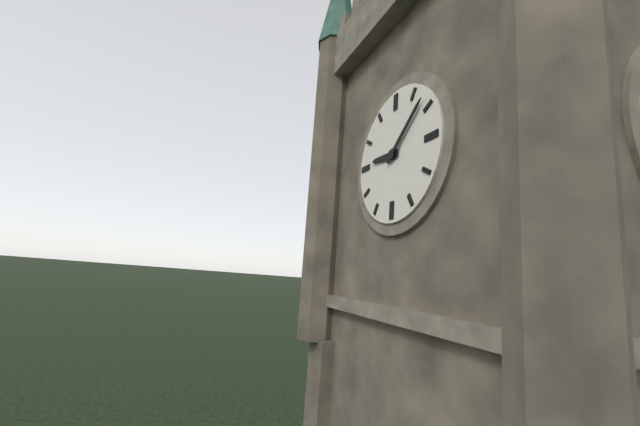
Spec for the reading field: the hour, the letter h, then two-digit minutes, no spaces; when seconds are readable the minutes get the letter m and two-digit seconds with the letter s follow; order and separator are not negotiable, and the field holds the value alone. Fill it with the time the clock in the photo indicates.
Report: 9h08
